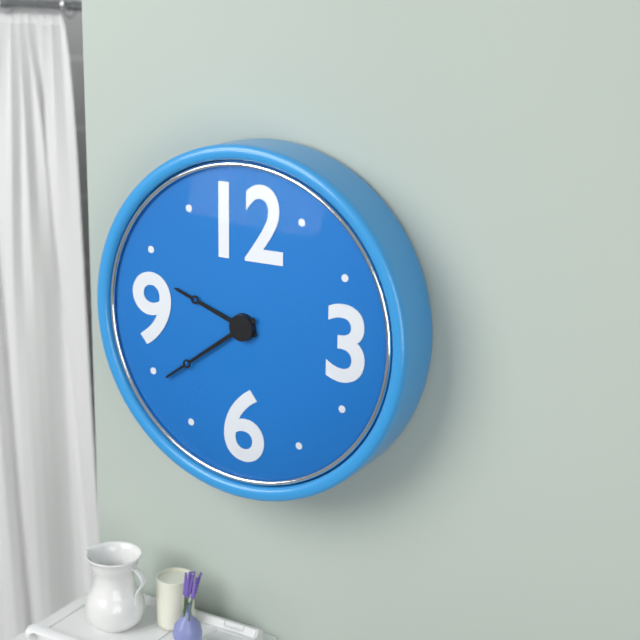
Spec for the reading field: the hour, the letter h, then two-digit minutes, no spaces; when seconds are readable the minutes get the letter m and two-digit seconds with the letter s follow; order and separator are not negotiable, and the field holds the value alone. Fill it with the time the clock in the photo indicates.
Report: 9h39
